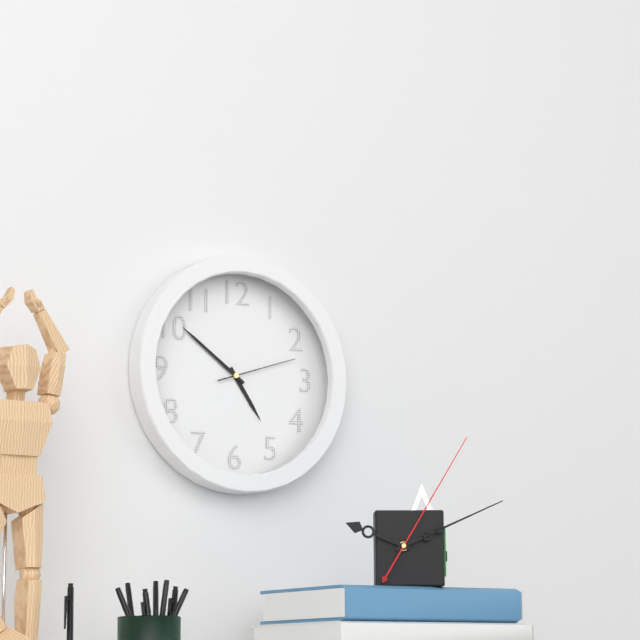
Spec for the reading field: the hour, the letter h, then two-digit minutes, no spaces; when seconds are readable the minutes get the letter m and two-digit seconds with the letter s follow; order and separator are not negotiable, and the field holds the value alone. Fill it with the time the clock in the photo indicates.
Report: 4h51m12s
